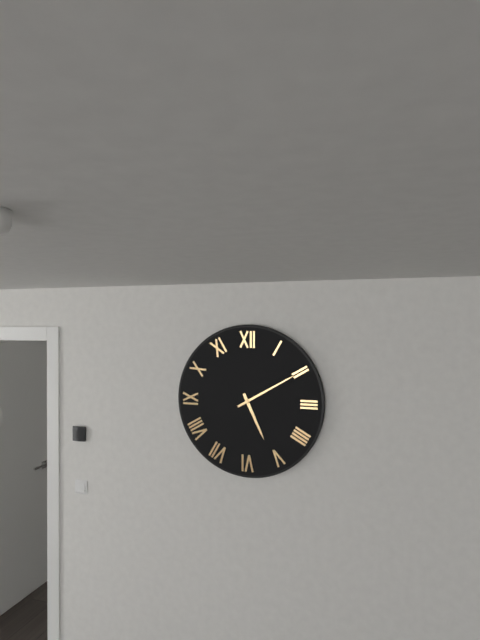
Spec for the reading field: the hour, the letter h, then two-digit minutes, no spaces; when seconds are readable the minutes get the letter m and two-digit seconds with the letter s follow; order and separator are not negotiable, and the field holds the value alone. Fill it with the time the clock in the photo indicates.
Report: 5h10
